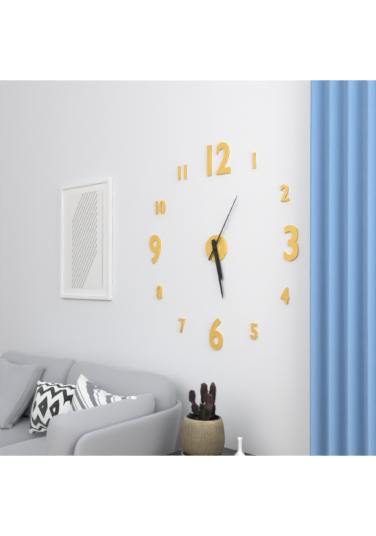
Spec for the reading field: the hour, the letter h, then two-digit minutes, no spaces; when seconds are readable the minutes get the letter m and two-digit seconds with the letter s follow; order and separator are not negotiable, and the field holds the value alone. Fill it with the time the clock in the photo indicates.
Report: 5h28m05s
